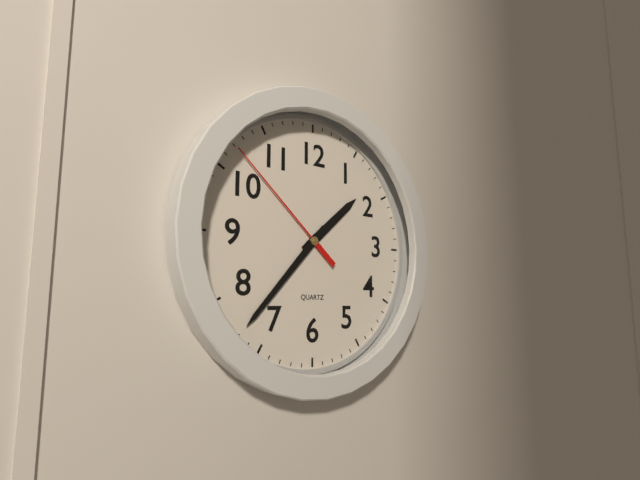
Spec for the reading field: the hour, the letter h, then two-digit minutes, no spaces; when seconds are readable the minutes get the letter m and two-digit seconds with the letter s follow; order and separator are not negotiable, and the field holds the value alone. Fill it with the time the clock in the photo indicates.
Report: 1h37m52s
